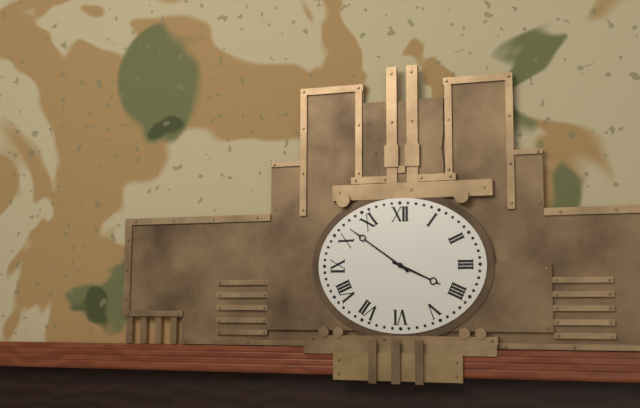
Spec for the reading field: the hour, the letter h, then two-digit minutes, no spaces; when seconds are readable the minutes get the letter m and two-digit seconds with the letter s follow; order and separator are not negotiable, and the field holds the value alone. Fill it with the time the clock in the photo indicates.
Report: 3h51
